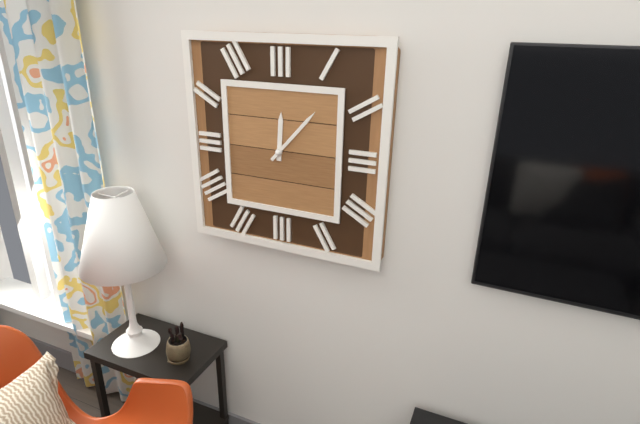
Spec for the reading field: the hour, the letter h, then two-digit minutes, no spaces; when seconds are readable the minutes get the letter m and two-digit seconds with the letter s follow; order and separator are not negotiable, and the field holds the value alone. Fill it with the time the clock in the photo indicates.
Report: 12h07
